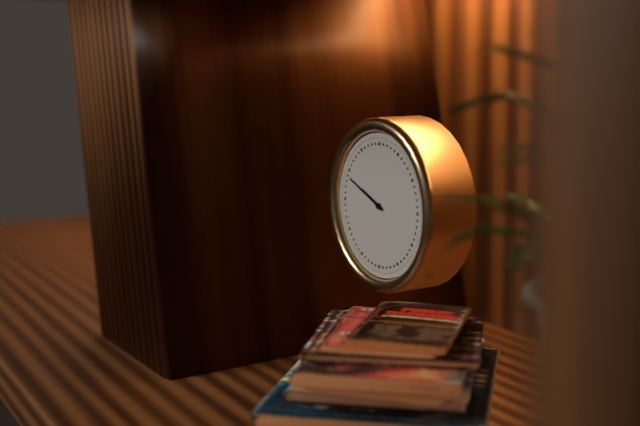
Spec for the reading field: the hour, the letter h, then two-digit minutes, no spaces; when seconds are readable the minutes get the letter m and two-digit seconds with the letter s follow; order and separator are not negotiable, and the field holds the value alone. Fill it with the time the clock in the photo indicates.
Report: 9h49
